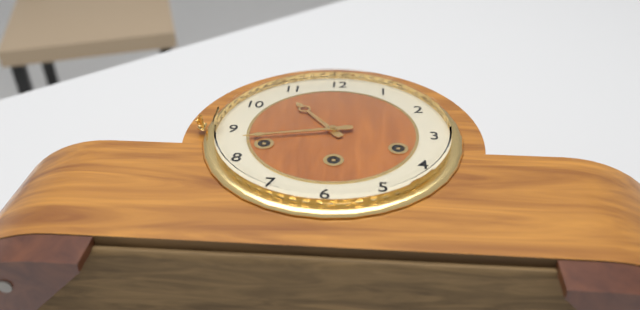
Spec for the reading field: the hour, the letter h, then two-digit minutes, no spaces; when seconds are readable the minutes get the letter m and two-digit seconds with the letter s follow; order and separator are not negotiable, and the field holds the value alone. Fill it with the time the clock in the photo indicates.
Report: 10h43
